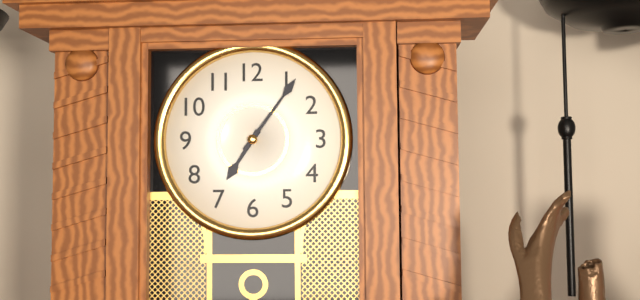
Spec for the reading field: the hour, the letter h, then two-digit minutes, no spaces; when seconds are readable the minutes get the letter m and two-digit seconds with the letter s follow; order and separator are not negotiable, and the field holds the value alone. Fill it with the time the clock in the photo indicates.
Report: 7h06
